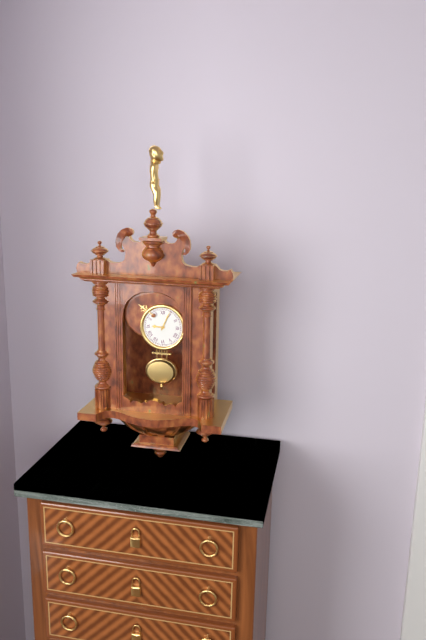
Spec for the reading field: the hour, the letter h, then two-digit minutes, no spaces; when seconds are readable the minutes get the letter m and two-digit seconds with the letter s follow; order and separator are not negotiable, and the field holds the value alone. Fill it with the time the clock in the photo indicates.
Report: 9h04
